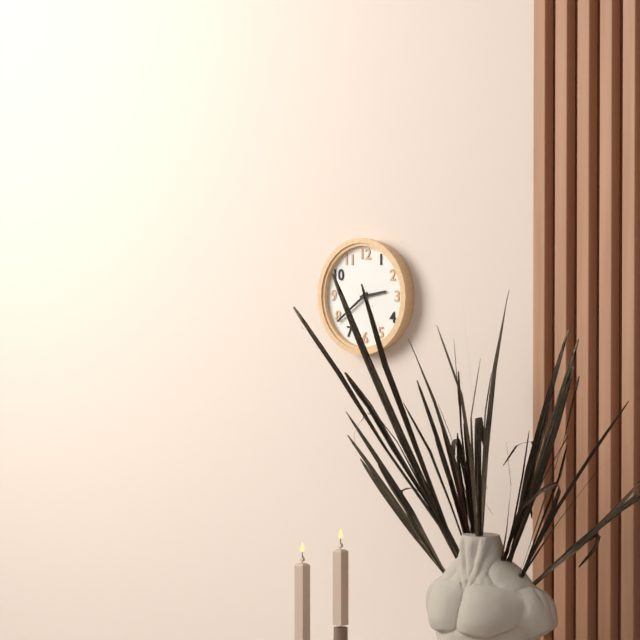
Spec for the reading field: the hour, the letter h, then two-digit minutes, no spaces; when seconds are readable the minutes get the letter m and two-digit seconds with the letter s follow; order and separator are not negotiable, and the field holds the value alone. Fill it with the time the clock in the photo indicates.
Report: 2h39
